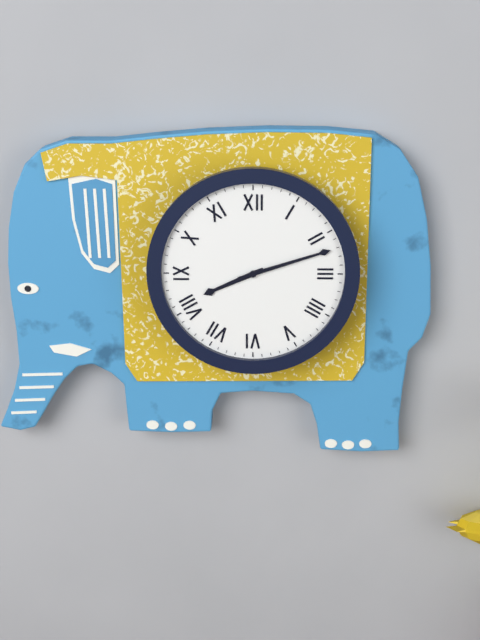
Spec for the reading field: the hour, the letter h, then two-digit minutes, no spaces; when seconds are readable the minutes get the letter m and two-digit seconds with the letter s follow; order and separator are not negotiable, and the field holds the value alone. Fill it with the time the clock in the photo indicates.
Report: 8h12
